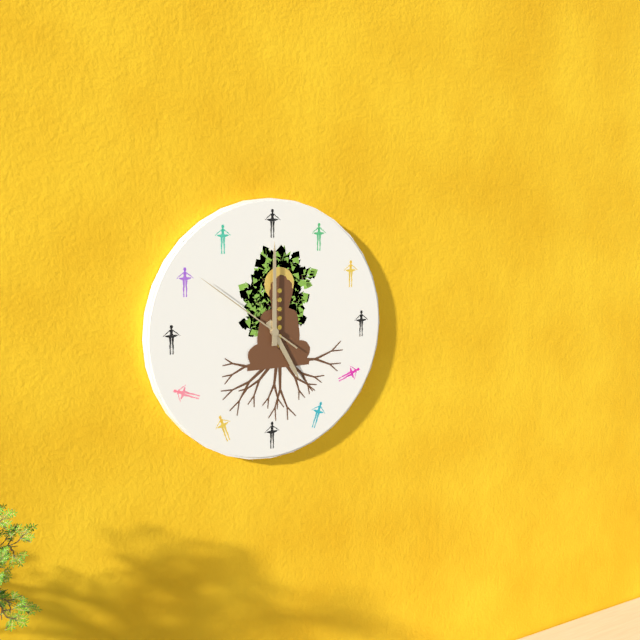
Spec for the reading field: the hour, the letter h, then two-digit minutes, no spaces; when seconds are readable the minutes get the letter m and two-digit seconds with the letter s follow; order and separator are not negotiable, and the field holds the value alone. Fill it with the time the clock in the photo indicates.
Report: 5h00m51s
